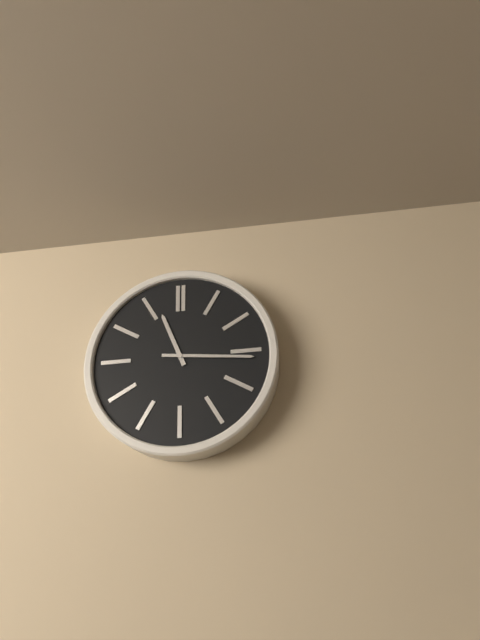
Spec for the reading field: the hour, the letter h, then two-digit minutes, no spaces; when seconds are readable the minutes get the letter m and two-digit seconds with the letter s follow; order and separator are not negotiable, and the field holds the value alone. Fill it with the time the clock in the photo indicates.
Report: 11h16
